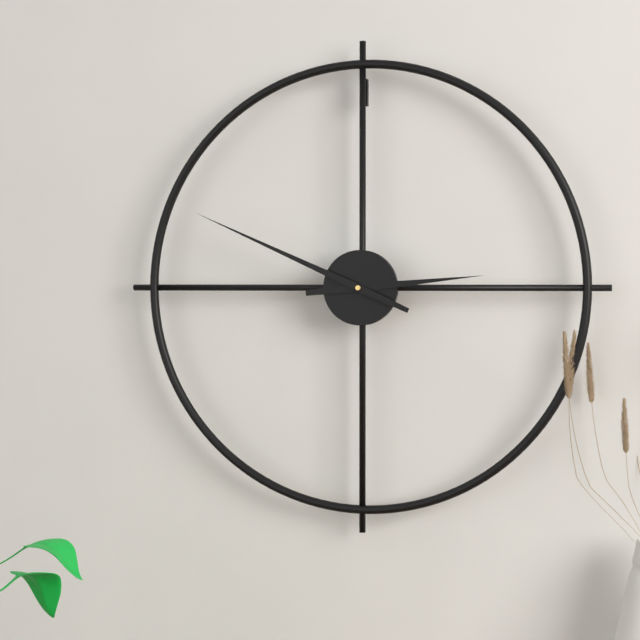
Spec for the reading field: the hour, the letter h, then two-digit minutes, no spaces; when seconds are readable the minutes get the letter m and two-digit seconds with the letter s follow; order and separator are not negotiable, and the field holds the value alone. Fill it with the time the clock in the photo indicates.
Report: 2h49
